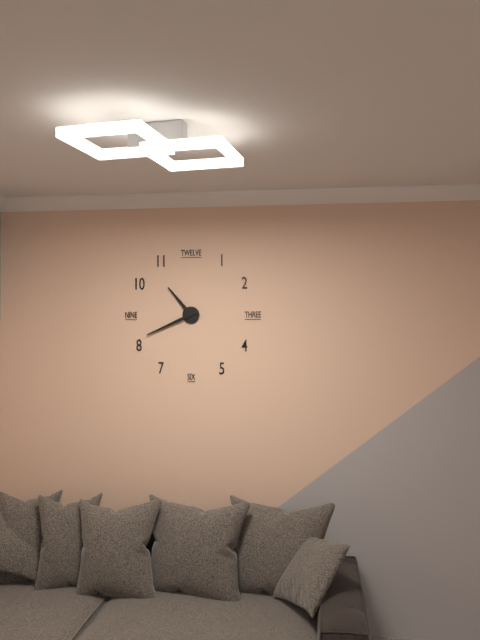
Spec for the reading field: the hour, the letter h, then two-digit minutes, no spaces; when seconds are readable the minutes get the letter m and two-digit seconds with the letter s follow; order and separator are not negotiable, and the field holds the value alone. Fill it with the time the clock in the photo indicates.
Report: 10h41
